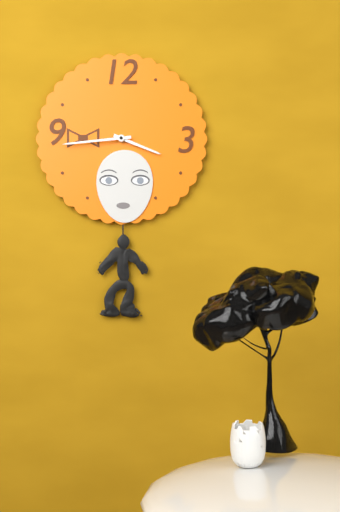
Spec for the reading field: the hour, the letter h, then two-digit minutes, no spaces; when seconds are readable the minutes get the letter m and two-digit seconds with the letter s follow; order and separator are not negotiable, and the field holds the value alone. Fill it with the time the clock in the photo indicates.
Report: 3h44
